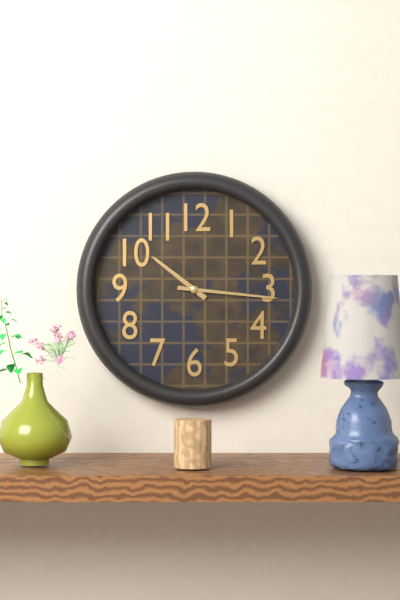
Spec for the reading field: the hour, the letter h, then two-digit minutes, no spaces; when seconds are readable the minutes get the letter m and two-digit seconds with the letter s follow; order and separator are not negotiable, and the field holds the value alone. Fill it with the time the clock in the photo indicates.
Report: 10h16
